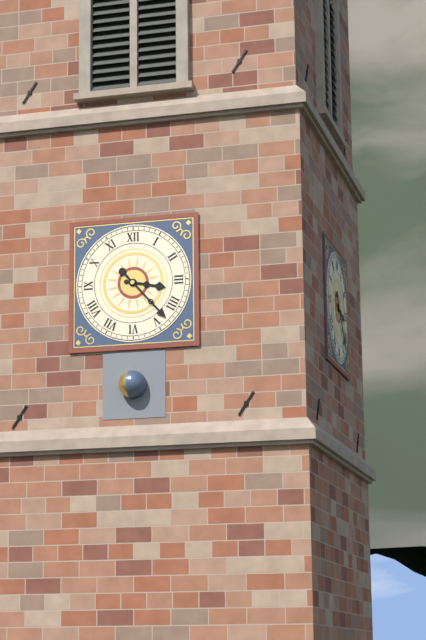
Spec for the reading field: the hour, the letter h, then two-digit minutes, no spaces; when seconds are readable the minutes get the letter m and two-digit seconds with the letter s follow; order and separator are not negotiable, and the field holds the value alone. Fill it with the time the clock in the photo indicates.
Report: 3h23
